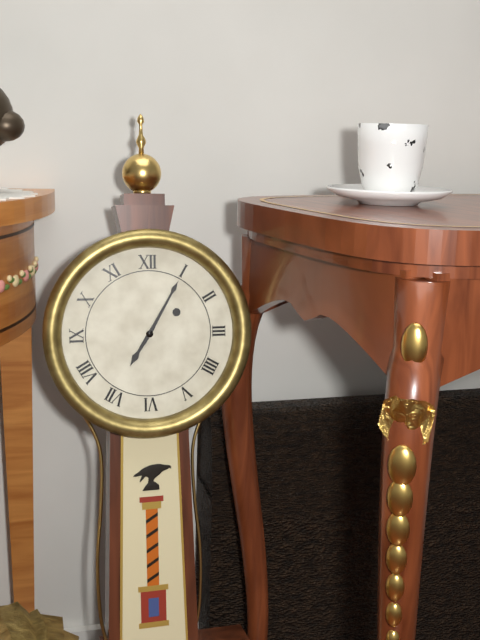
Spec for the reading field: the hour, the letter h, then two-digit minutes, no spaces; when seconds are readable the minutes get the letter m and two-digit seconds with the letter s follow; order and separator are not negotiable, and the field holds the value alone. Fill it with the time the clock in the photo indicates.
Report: 7h05
